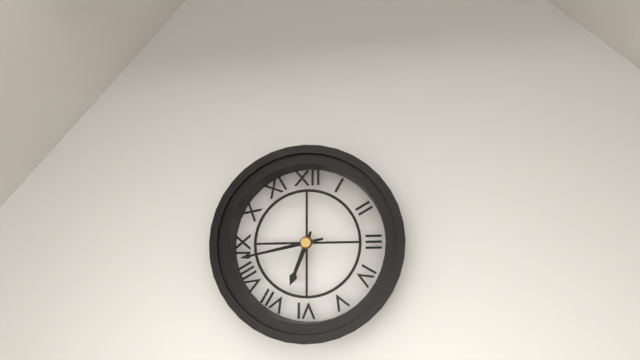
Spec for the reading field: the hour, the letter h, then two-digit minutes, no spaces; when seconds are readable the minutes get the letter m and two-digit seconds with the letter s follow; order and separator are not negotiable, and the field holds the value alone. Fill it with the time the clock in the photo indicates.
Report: 6h43
